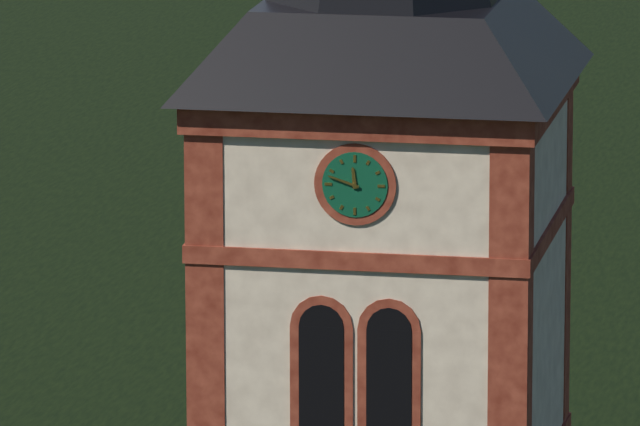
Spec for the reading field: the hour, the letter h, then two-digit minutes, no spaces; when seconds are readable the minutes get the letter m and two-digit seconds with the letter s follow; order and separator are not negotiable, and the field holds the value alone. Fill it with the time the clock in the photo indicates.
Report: 11h48
